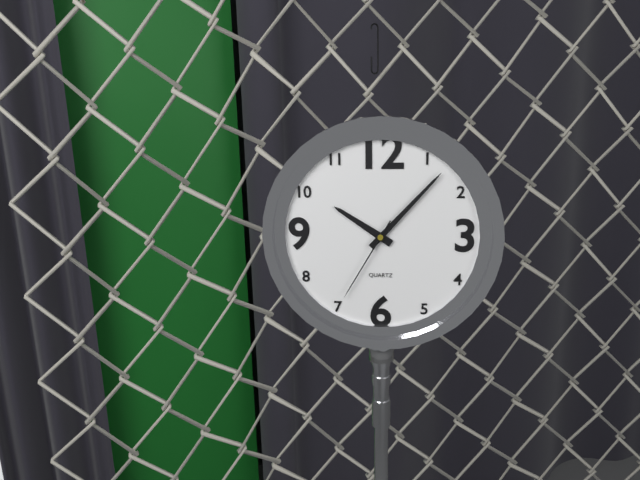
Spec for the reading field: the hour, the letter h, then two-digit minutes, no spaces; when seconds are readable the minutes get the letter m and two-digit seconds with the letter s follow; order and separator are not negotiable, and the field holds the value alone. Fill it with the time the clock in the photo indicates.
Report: 10h07m35s
